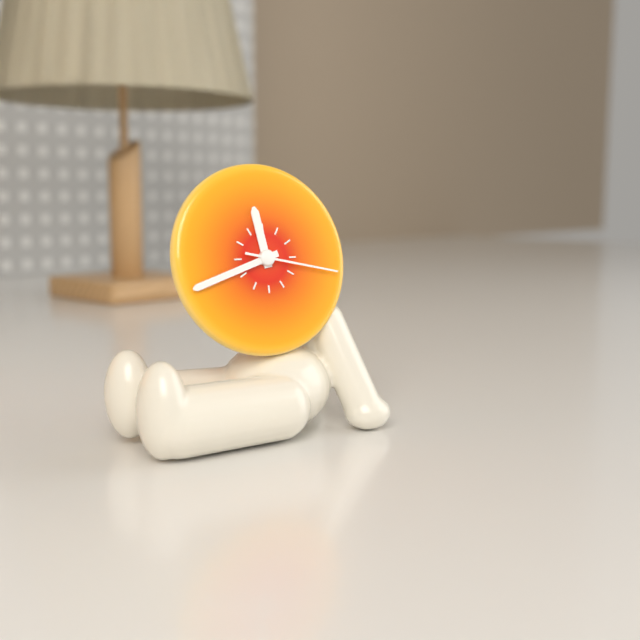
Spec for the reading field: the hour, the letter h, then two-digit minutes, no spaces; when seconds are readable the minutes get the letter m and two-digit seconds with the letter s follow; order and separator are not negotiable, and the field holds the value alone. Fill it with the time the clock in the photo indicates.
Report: 11h42m17s
